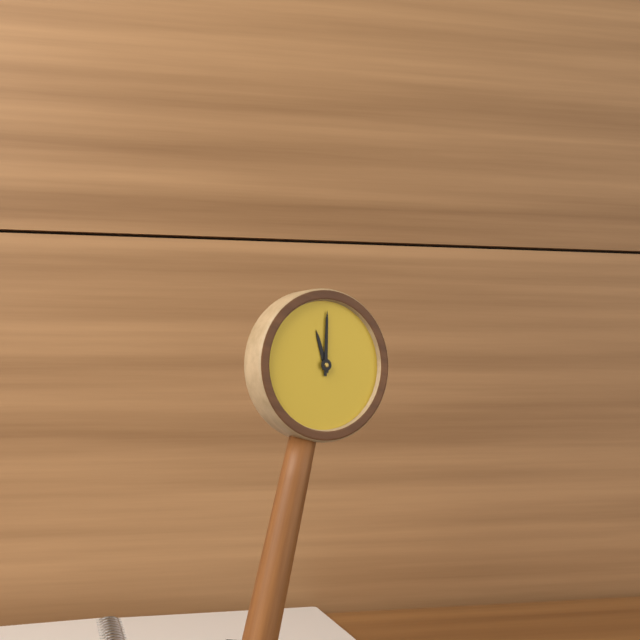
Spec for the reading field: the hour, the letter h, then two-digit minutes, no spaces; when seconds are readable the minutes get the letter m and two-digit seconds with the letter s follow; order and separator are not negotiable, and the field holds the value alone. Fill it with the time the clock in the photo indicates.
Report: 10h58
